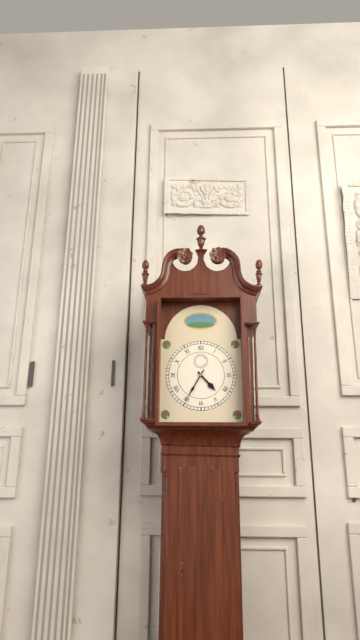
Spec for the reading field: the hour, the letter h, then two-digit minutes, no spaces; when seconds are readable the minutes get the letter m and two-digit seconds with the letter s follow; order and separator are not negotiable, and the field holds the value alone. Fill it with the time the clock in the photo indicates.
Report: 4h35
